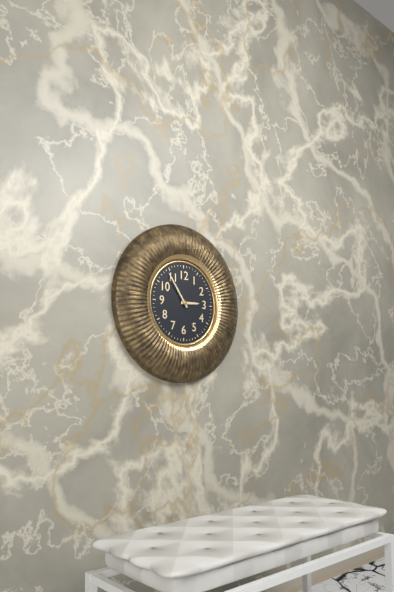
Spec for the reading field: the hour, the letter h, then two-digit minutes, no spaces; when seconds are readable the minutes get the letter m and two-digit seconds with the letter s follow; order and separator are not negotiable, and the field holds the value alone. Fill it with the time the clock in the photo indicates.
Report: 2h54
